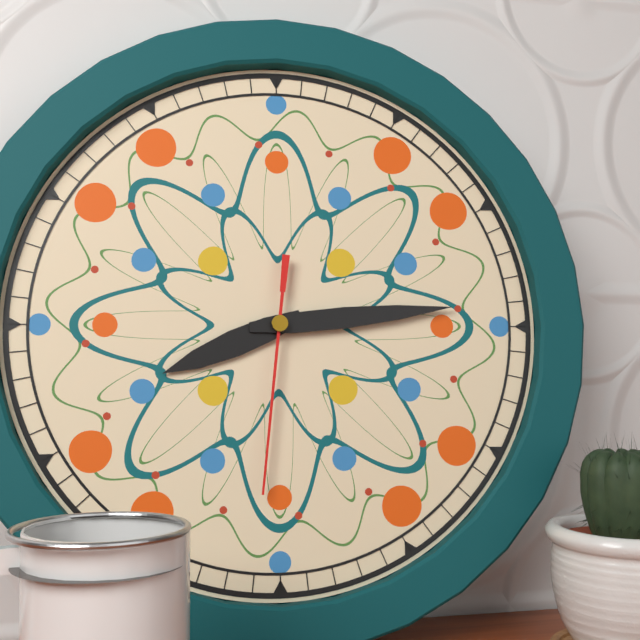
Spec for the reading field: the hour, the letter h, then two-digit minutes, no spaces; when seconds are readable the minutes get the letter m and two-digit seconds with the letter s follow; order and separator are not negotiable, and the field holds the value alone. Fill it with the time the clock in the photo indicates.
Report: 8h14m31s
